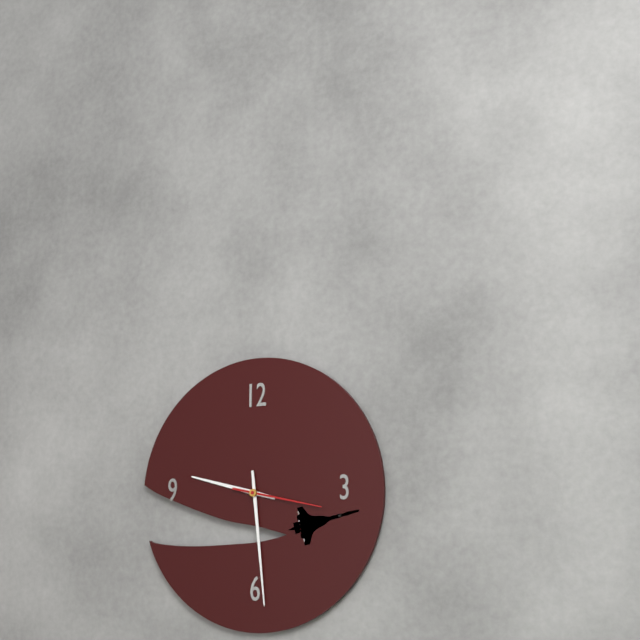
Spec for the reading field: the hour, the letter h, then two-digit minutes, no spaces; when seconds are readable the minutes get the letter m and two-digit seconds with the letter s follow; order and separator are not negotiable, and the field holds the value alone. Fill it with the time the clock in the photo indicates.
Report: 9h29m17s
